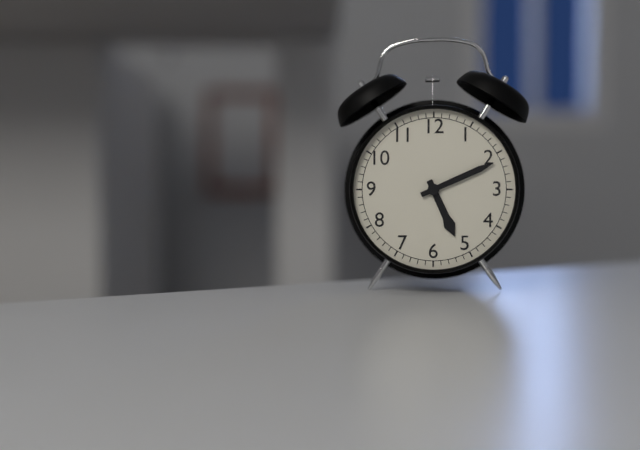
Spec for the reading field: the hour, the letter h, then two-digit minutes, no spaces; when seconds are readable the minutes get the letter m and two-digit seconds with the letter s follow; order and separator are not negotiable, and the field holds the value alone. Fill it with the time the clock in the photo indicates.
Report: 5h11
